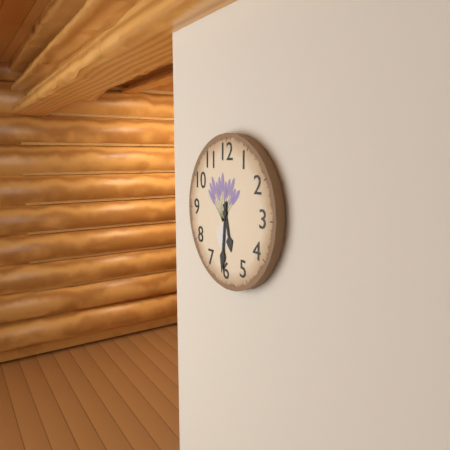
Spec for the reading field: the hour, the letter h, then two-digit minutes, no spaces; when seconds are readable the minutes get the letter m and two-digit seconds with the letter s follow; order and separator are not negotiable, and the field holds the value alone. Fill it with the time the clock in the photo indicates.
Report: 5h31
